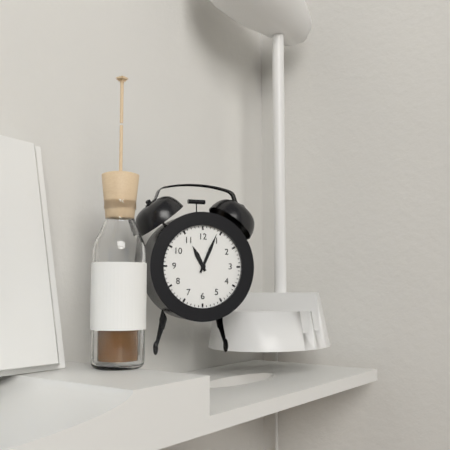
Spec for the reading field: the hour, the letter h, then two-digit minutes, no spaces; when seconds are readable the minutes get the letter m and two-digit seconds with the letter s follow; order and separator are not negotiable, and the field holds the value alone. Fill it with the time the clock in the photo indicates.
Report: 11h04
